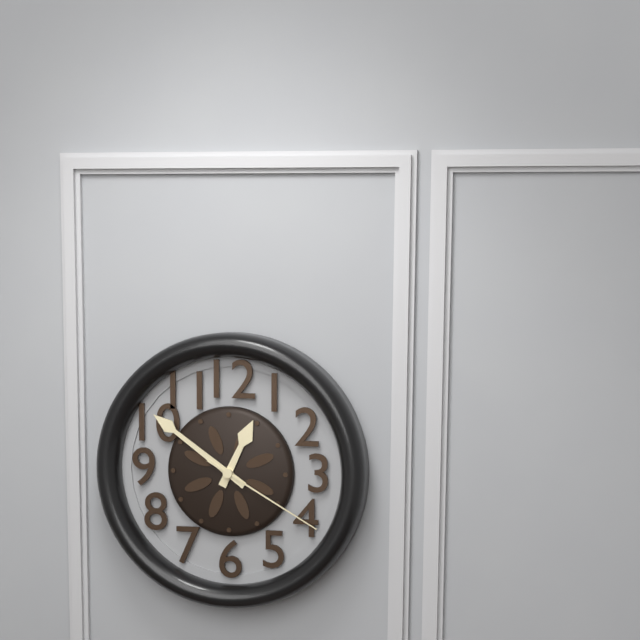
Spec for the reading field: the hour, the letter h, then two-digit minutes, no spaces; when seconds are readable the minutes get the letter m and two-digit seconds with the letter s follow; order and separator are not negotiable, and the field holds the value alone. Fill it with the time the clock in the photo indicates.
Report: 12h51m20s
